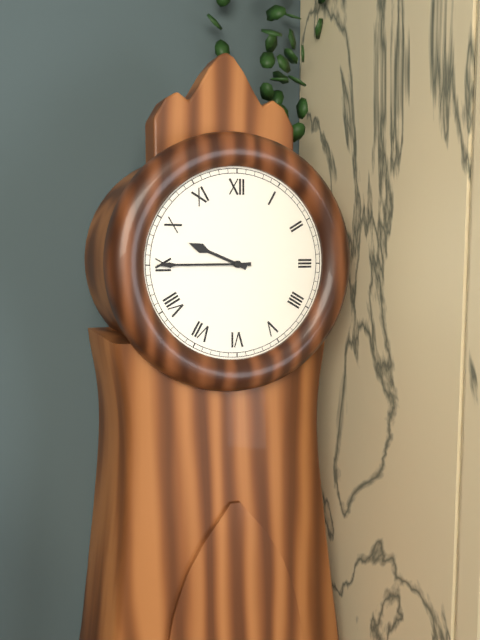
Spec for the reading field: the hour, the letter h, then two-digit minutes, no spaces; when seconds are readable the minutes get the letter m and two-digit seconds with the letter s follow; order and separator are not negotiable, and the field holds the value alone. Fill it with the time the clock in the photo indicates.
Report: 9h45
